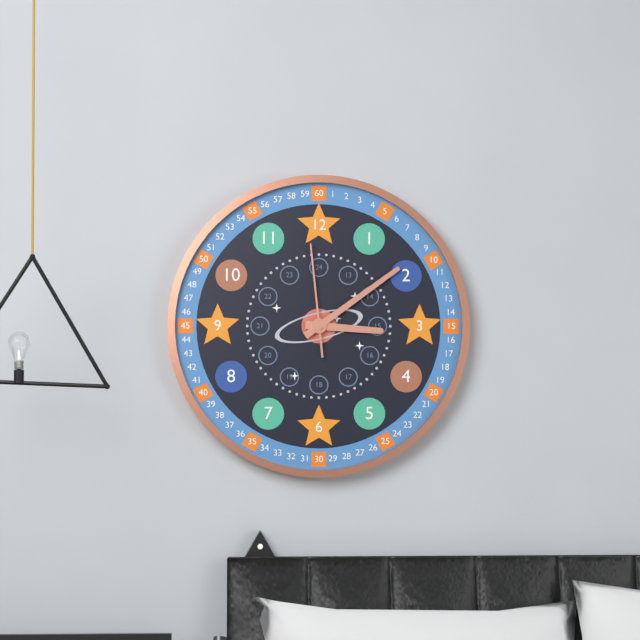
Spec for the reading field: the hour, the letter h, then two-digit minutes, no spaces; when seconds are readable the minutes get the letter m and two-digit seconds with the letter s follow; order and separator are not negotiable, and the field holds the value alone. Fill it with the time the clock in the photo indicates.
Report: 3h09m59s
